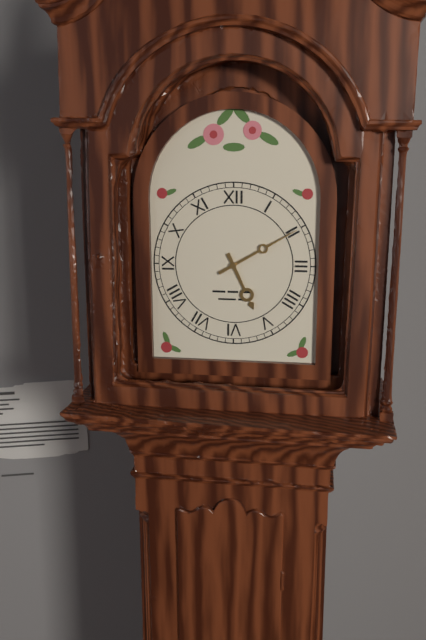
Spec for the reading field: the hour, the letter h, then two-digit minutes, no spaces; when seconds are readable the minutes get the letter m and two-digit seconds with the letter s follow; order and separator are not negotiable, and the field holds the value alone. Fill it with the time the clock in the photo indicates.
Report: 5h10
